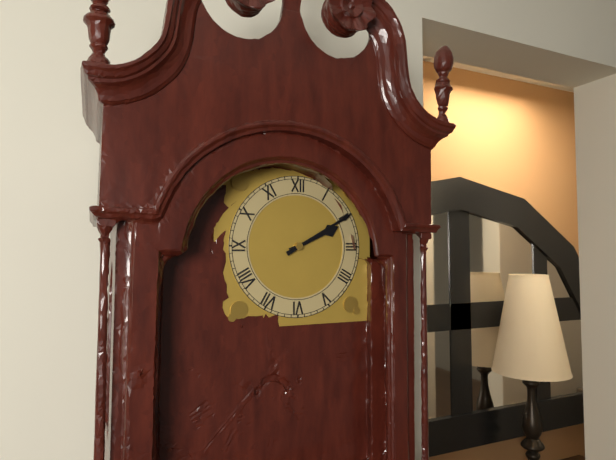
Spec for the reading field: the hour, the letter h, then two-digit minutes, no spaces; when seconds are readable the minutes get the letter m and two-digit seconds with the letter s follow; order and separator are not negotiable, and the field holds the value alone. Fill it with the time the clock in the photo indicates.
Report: 2h10
